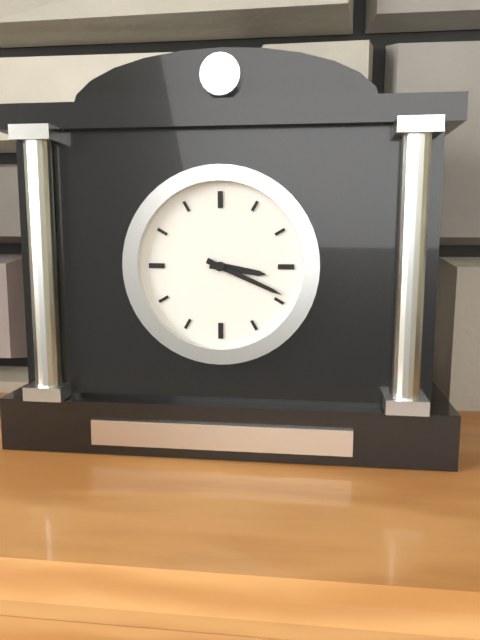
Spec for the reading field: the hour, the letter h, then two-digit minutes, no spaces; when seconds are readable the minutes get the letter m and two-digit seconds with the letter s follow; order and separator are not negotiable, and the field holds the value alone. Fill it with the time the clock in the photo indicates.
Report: 3h19
